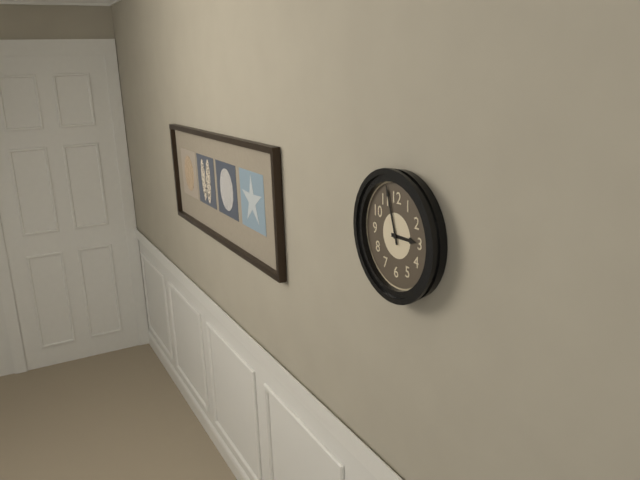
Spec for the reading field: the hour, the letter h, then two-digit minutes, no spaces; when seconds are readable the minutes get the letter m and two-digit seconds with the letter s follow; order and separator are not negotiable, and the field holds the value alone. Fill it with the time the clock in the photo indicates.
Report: 2h57
